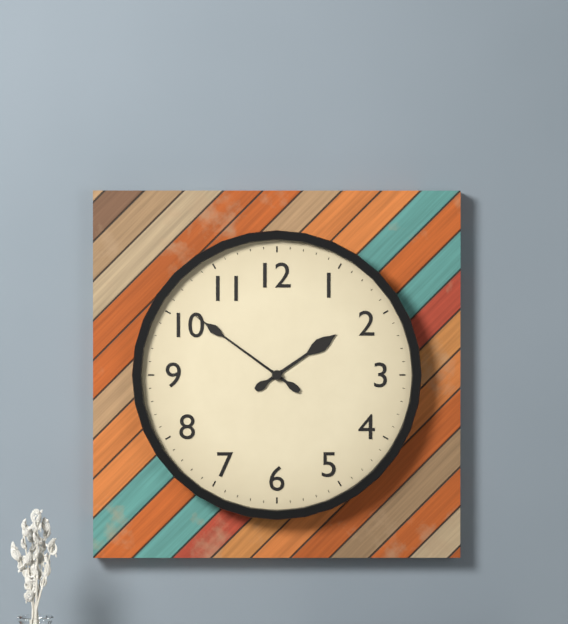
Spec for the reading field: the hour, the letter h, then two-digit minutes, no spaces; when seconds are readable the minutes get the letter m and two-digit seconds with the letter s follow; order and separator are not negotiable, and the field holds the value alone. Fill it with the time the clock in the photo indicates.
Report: 1h51
